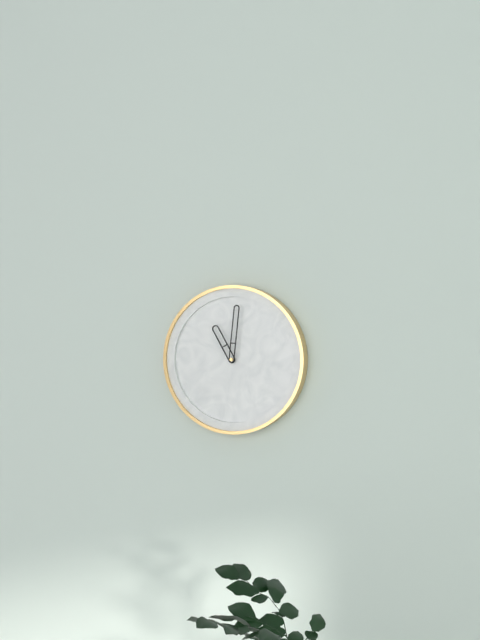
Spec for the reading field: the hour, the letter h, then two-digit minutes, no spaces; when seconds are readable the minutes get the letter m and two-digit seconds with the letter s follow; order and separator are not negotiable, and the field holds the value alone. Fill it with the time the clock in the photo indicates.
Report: 11h01
